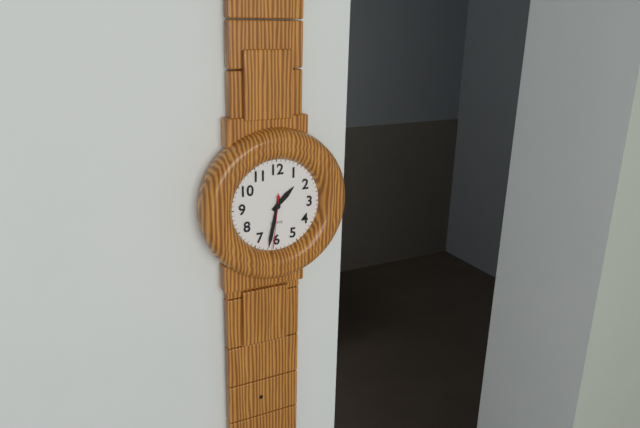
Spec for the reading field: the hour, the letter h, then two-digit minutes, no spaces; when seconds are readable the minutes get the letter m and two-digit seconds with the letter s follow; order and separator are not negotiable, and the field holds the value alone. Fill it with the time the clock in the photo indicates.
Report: 1h32m31s
